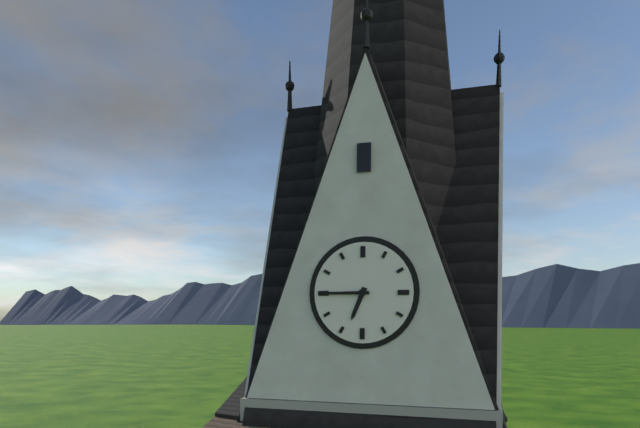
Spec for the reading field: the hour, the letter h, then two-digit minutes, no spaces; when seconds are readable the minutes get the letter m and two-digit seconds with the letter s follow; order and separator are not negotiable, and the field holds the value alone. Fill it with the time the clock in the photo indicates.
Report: 6h45
